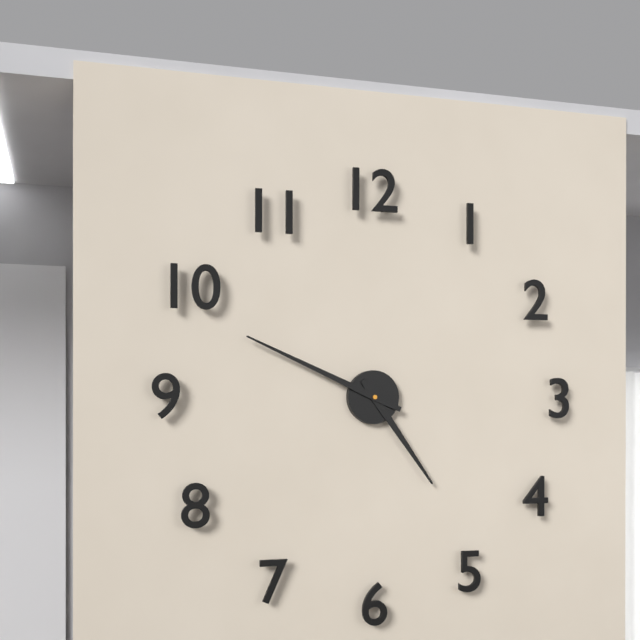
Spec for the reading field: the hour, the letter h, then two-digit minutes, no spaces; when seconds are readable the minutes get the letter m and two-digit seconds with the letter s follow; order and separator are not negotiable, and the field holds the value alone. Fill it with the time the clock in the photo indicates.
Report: 4h49
